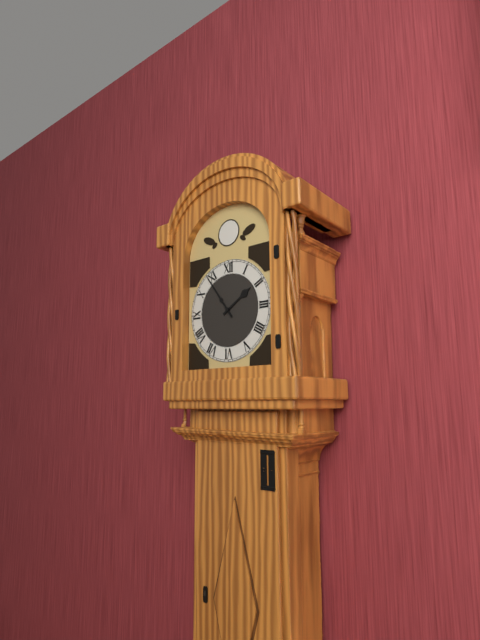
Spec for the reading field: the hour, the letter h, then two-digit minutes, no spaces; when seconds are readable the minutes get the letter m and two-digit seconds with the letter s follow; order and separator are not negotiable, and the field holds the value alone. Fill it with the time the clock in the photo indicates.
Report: 1h54
